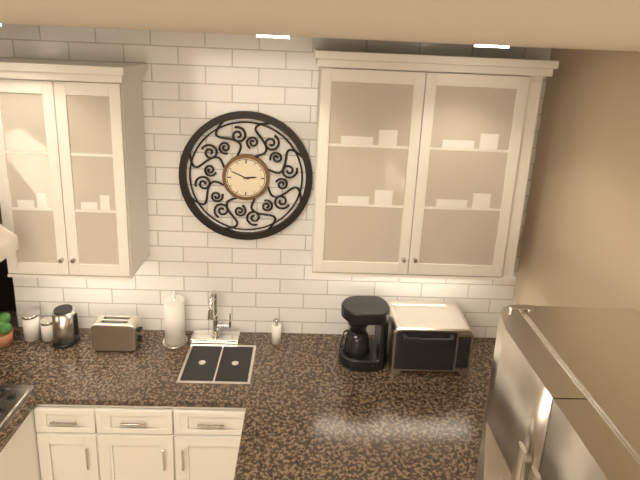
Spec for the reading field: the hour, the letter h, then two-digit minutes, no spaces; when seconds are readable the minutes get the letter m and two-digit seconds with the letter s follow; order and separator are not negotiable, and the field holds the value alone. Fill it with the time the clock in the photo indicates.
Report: 2h49
